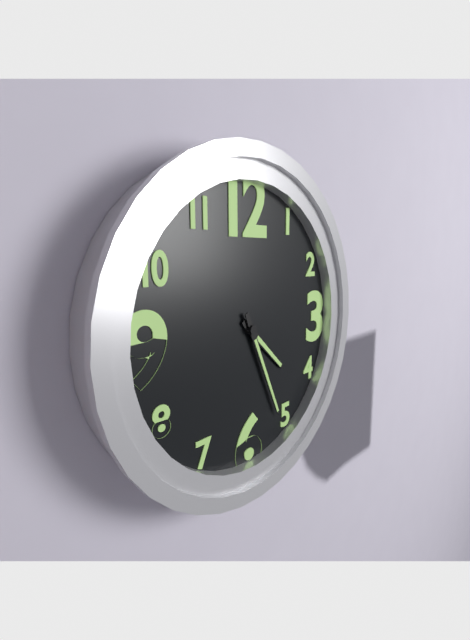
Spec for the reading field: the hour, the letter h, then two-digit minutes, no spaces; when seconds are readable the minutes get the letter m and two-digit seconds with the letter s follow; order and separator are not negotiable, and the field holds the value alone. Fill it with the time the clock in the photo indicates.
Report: 4h26
